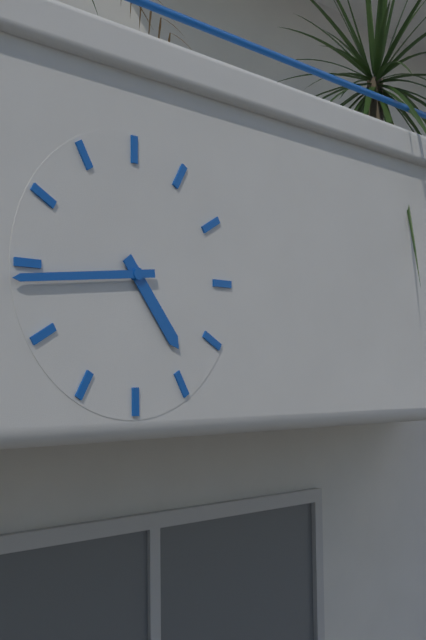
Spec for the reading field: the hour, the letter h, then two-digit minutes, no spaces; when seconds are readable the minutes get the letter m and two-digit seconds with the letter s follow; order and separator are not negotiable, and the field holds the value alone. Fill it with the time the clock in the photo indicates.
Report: 4h44
